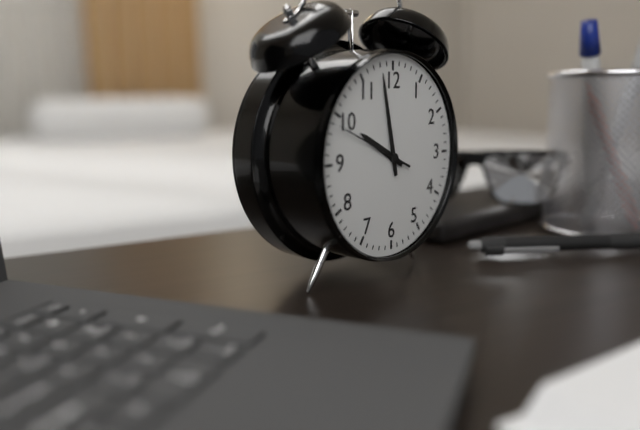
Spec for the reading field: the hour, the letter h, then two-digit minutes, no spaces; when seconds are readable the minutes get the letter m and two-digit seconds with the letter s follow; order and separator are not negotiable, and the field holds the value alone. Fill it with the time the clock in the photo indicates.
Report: 9h58m49s
